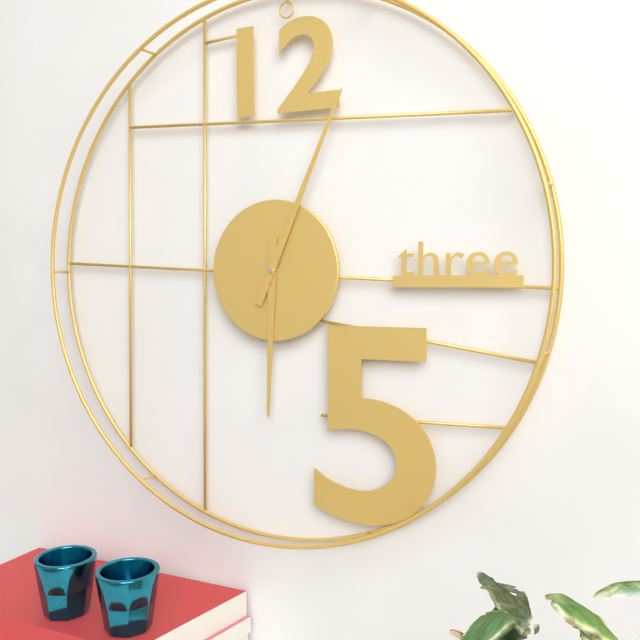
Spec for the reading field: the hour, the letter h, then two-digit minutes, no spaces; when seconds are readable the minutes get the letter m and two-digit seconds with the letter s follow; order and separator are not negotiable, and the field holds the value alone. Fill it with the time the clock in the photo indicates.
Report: 6h04
